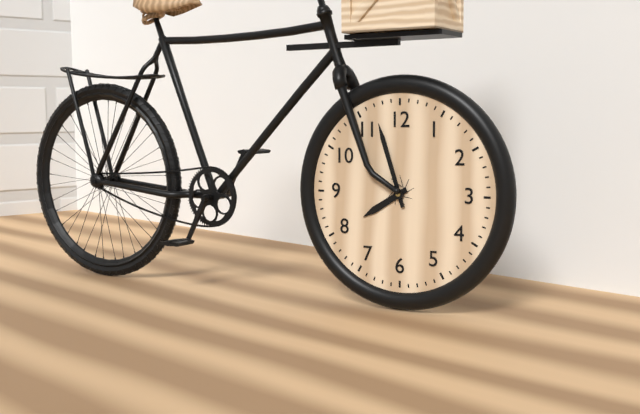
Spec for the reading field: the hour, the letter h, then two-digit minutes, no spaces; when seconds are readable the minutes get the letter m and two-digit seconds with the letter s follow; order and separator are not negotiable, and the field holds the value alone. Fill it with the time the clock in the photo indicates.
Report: 7h57
